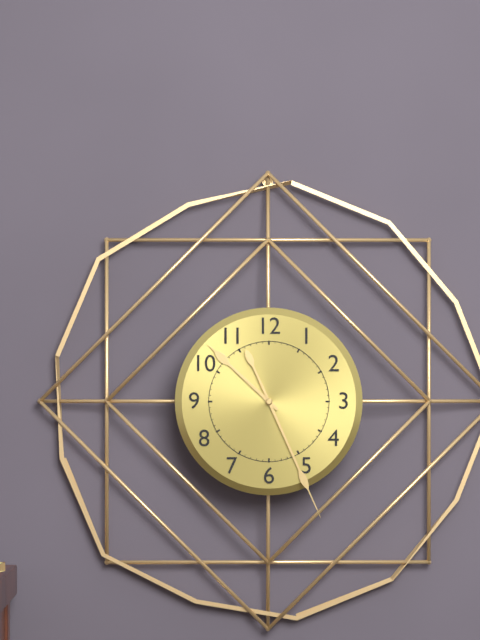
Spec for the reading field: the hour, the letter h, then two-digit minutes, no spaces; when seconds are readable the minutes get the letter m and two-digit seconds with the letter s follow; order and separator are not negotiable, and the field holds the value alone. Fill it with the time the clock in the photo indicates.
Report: 10h26
